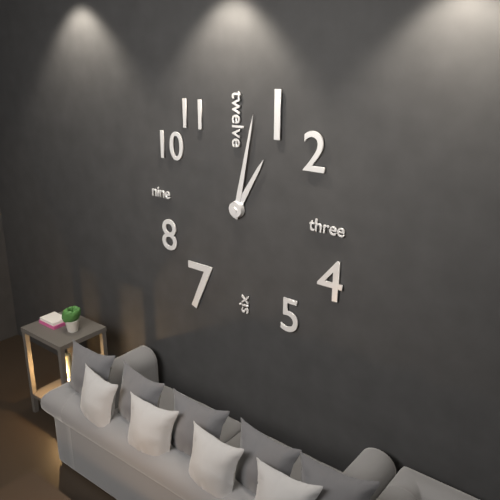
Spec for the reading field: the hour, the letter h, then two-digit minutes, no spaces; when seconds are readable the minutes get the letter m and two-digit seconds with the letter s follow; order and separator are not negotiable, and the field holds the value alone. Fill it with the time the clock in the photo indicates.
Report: 1h02
